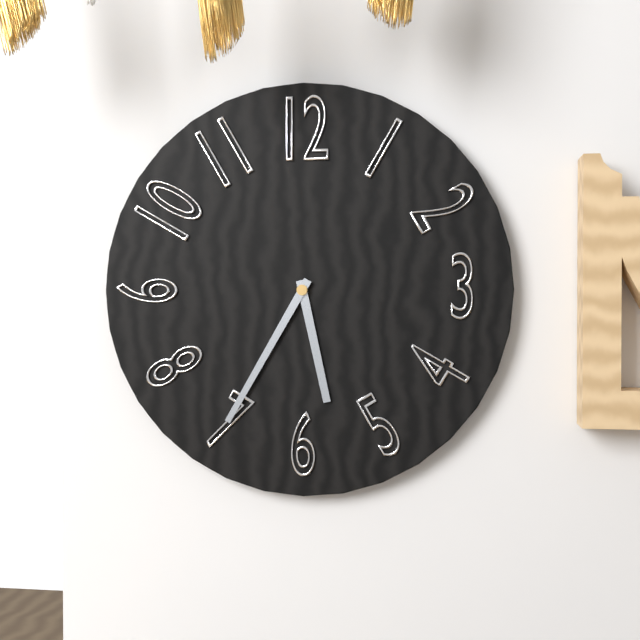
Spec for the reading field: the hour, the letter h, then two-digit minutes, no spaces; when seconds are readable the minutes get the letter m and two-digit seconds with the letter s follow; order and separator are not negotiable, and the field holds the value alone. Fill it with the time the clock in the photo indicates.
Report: 5h35
